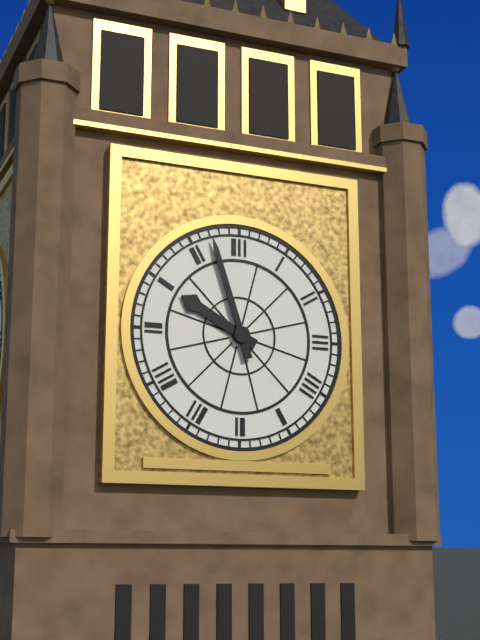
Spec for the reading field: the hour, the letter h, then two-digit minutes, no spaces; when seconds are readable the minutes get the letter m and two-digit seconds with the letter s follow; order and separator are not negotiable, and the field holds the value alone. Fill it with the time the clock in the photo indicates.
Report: 9h57
